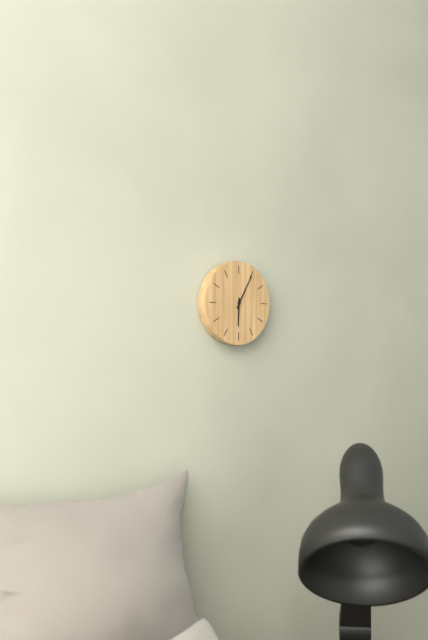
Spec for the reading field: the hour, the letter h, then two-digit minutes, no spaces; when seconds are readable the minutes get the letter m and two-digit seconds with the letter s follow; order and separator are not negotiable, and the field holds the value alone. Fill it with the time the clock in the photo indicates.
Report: 6h05
